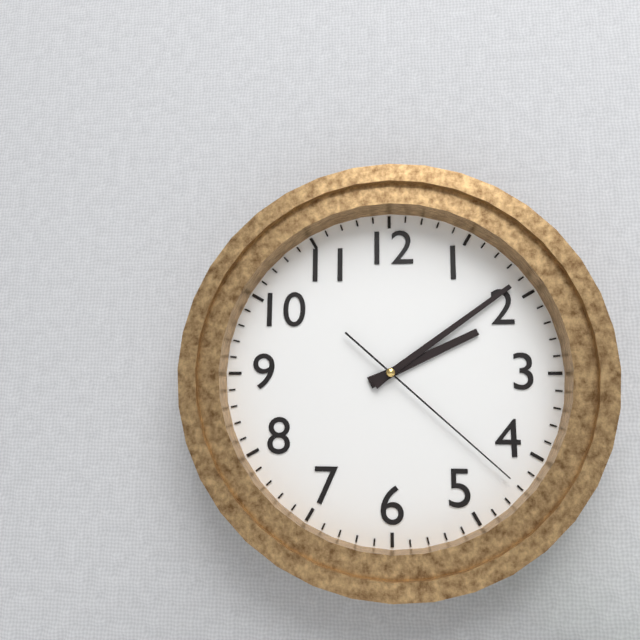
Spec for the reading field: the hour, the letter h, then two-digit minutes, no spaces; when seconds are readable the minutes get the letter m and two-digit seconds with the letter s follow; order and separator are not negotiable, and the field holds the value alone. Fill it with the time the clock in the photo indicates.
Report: 2h09m22s
